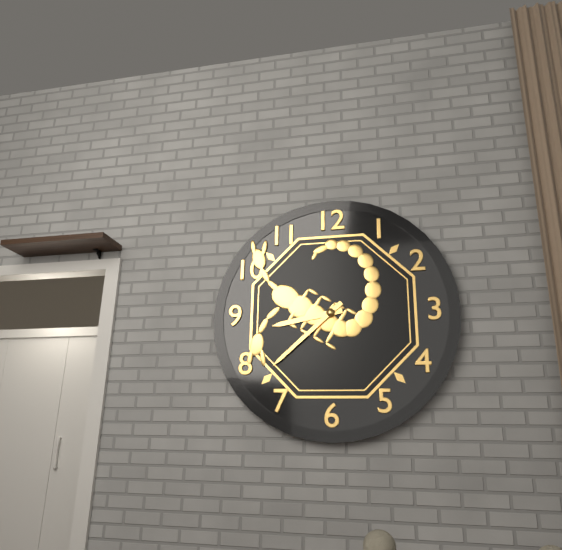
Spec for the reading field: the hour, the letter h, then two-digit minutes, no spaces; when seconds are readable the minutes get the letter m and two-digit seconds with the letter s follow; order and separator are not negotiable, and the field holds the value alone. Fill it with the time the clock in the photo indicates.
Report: 8h38
